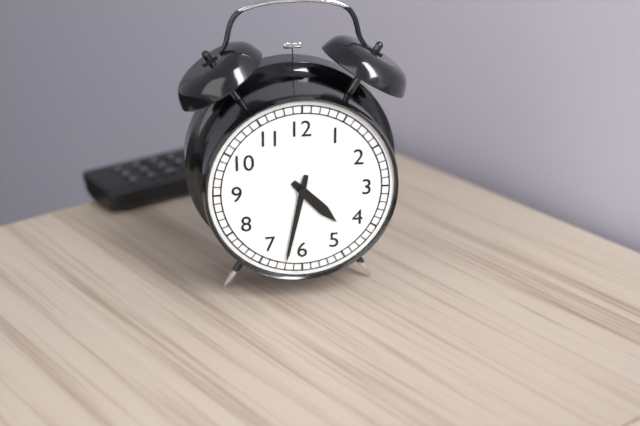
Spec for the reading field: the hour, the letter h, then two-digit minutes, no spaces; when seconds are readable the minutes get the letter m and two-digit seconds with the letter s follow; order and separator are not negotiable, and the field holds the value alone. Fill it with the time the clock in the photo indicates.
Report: 4h32
